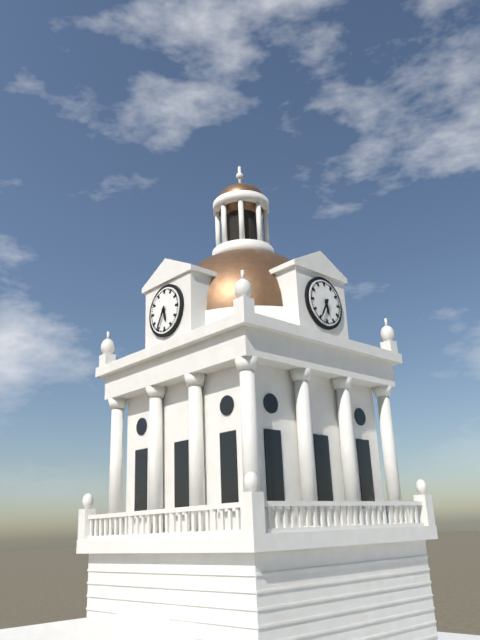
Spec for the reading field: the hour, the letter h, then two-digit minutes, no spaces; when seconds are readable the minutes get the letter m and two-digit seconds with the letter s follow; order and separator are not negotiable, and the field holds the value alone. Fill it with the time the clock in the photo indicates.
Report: 5h35
